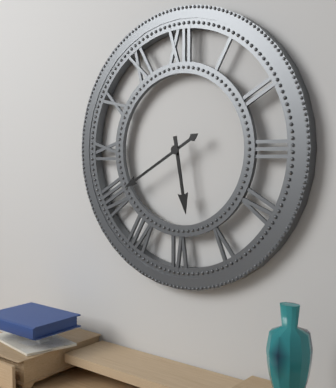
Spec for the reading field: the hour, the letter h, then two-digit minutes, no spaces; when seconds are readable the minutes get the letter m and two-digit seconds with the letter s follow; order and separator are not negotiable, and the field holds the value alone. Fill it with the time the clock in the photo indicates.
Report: 5h40
